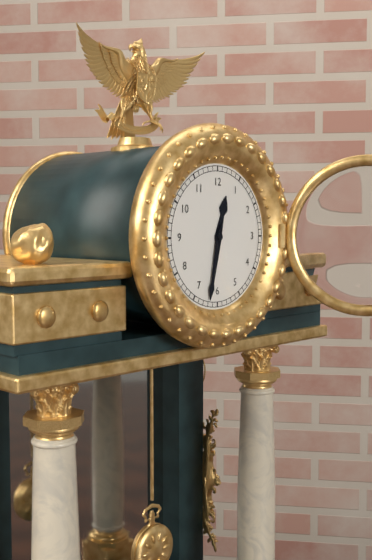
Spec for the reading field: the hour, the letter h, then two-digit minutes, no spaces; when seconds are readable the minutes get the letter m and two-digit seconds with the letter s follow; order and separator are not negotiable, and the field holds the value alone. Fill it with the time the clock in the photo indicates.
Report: 12h32
